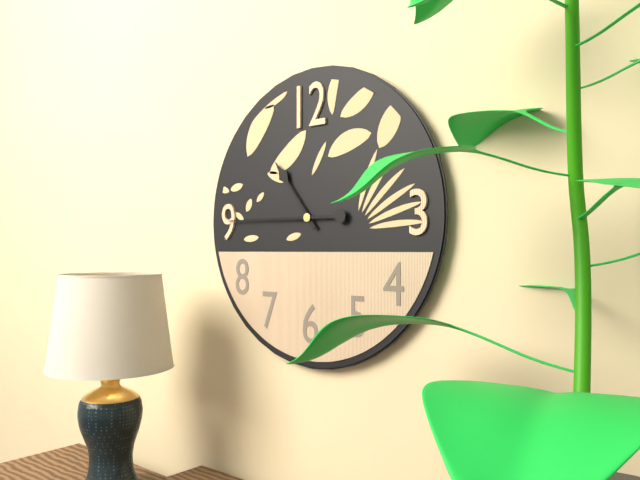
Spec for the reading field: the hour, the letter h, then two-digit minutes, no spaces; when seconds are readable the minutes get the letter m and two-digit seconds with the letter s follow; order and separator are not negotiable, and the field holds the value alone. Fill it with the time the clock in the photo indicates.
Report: 10h45
